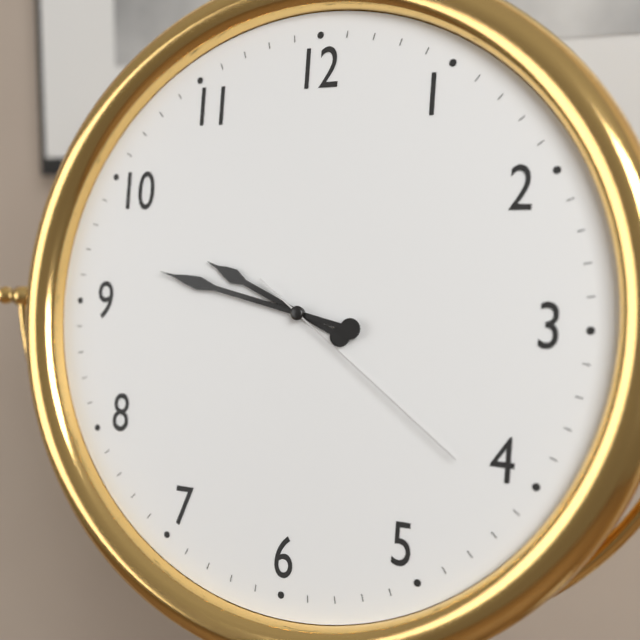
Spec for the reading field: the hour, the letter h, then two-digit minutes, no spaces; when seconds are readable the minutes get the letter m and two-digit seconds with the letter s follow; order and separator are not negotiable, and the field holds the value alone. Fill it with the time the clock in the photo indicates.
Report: 9h47m21s
